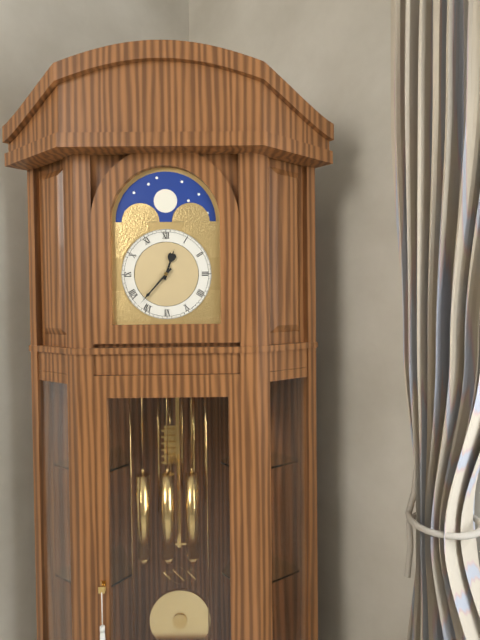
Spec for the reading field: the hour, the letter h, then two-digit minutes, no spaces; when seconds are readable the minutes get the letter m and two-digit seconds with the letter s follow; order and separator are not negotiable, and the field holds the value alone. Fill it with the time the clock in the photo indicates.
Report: 12h37
